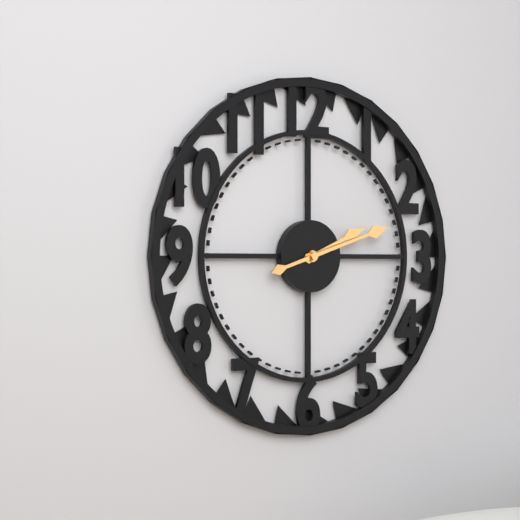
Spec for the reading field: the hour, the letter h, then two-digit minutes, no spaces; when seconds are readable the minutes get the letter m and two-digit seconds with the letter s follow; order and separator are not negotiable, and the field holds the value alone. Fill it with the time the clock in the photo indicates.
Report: 2h12
